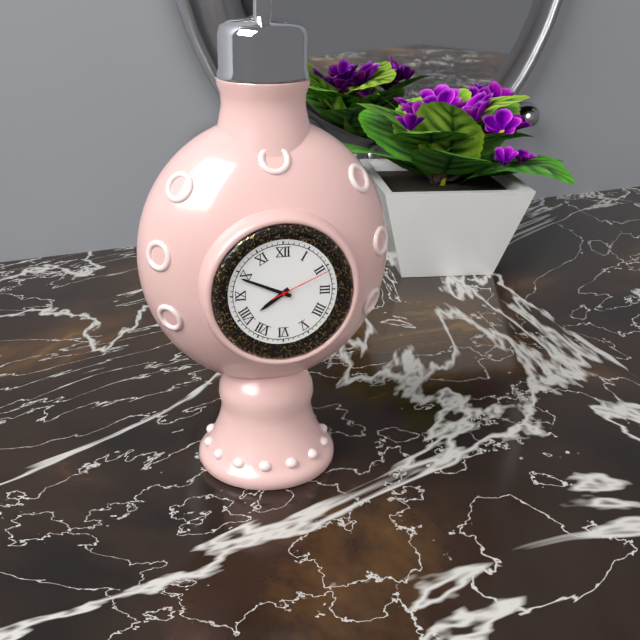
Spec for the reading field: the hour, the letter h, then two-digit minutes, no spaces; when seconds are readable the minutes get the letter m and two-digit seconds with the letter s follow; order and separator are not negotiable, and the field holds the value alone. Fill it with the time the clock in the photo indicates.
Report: 7h49m11s
